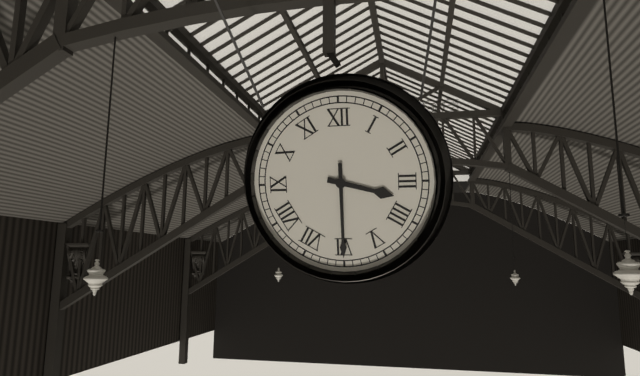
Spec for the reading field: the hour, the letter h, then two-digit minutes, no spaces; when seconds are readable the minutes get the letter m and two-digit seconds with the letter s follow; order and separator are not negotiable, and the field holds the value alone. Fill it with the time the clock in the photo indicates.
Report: 3h30
